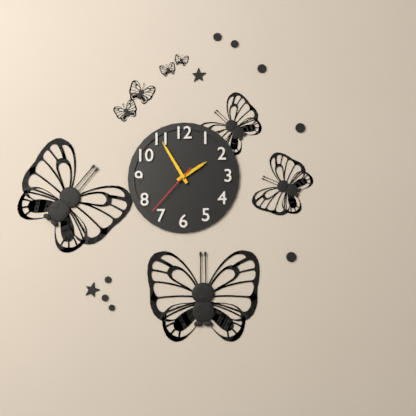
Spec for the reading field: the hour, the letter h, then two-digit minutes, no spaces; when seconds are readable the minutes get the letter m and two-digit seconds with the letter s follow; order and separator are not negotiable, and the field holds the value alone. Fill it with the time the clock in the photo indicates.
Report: 1h55m37s
